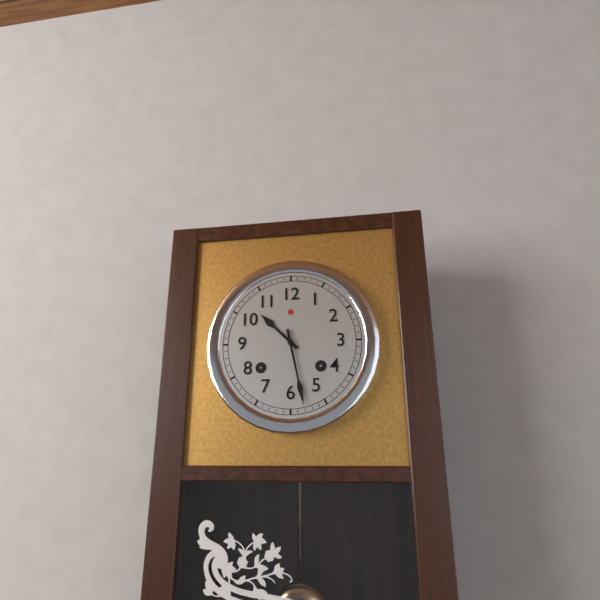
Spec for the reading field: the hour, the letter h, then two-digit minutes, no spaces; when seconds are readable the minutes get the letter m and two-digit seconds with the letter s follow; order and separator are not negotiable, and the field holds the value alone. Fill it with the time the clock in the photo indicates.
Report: 10h28
